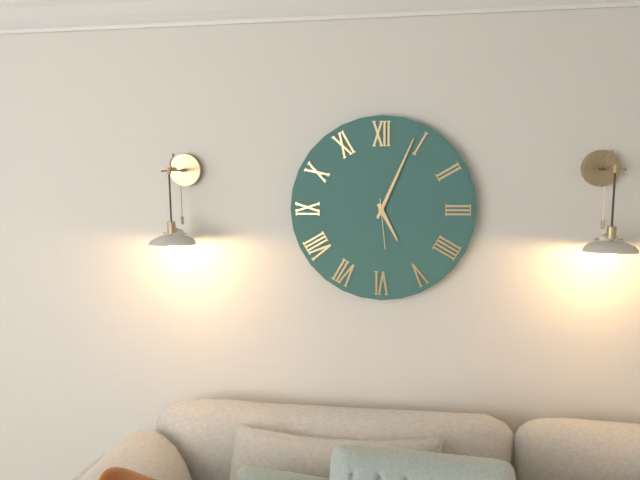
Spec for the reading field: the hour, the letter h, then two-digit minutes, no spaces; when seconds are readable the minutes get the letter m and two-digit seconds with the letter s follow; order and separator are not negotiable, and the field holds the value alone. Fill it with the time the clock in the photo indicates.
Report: 5h04m29s
